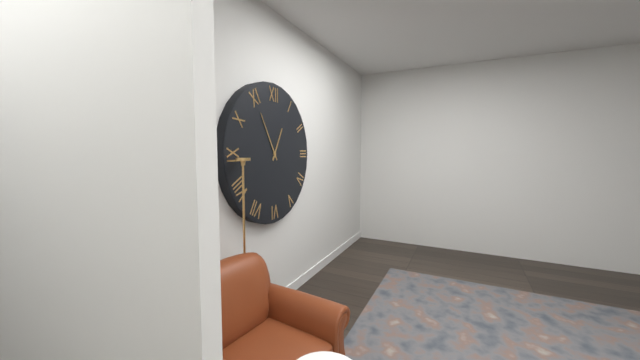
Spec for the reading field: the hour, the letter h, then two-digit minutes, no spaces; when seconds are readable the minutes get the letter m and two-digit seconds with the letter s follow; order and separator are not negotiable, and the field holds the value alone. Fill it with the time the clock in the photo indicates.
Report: 12h55
